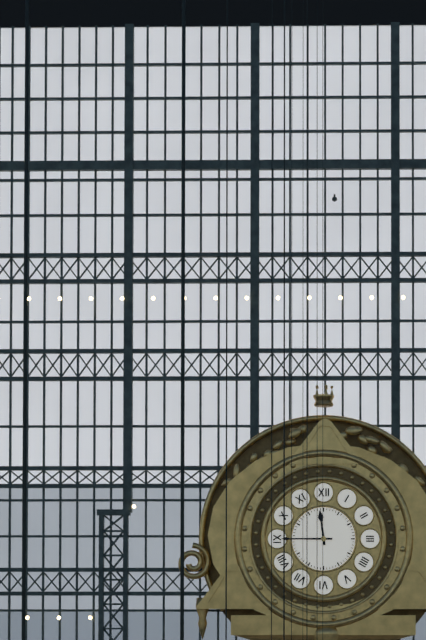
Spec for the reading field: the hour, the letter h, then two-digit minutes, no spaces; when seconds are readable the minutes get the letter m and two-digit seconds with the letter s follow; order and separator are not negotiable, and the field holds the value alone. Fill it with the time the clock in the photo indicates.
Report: 11h45
